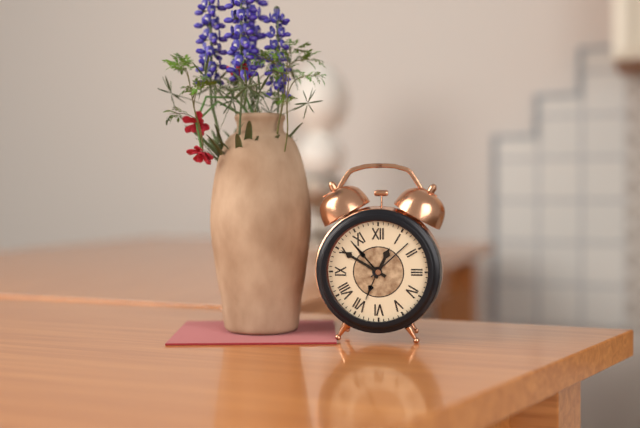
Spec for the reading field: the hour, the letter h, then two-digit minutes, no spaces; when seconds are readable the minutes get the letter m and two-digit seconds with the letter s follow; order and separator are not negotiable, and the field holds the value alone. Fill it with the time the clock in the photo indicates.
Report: 12h50
